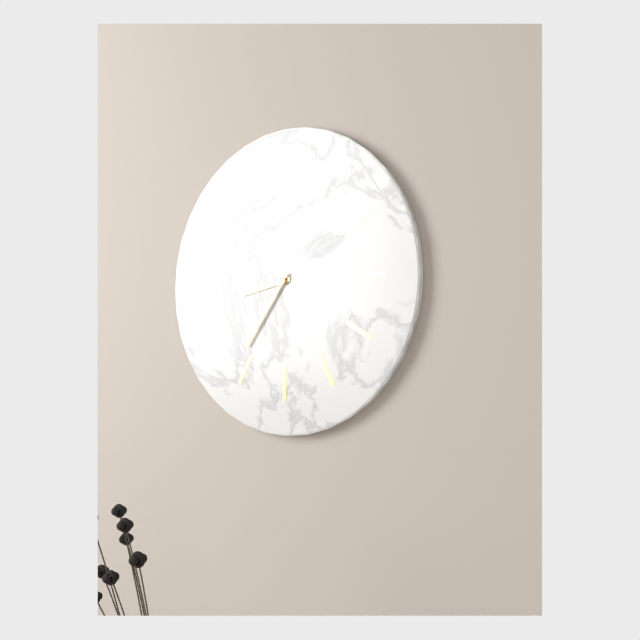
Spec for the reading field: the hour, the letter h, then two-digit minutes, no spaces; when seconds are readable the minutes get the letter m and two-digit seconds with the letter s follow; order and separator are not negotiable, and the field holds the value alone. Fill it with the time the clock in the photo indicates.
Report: 8h36
